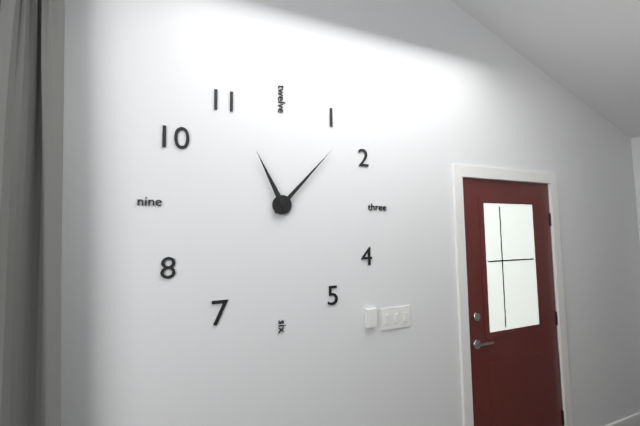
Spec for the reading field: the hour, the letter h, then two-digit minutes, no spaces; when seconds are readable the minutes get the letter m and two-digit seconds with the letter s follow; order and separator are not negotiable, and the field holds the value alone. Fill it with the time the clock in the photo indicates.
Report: 11h07
